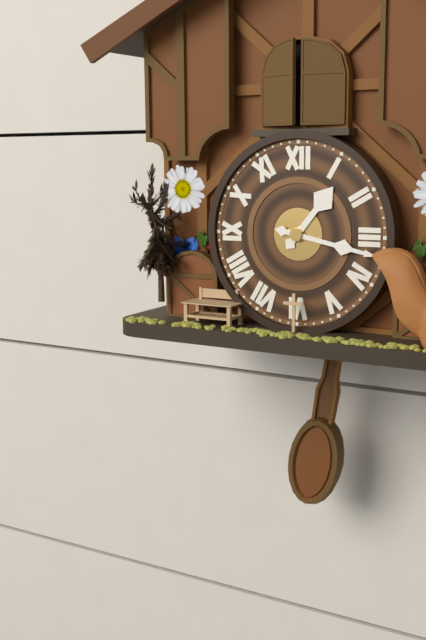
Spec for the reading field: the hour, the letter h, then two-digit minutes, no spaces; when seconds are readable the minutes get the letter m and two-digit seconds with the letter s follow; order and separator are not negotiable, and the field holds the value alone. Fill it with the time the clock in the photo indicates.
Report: 1h17
